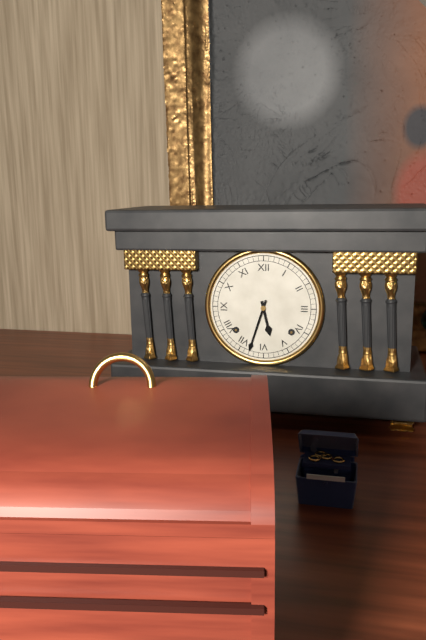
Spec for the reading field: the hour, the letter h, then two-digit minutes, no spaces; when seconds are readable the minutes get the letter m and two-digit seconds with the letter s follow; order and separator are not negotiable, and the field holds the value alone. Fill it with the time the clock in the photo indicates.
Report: 5h33
